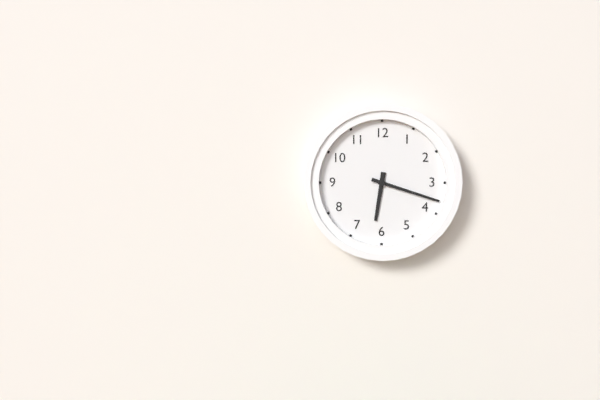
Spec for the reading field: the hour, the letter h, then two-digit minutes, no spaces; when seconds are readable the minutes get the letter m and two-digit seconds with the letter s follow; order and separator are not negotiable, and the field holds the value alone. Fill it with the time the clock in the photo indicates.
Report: 6h18
